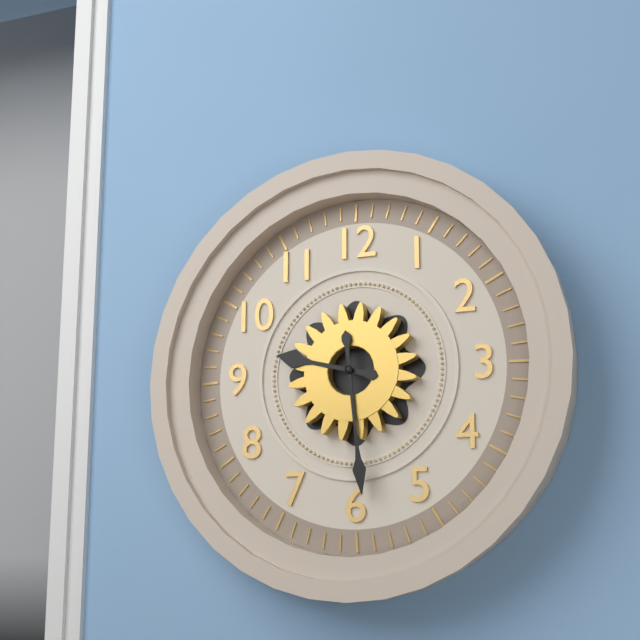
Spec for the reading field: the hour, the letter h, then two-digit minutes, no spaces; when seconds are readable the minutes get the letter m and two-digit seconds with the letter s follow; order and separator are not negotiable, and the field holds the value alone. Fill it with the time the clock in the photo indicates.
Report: 9h29
